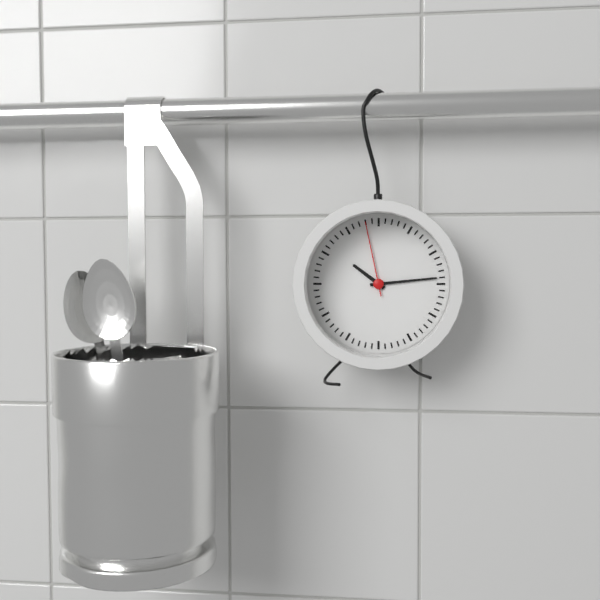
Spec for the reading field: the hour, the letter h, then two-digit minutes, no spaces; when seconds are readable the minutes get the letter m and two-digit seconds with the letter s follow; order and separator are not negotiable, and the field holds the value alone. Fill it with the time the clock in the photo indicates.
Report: 10h14m58s
